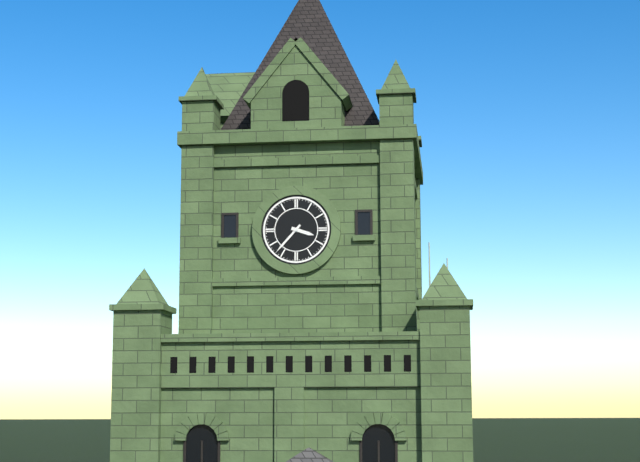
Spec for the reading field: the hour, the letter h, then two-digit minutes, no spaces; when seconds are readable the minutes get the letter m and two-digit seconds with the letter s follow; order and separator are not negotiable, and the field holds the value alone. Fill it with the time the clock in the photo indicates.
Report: 3h37
